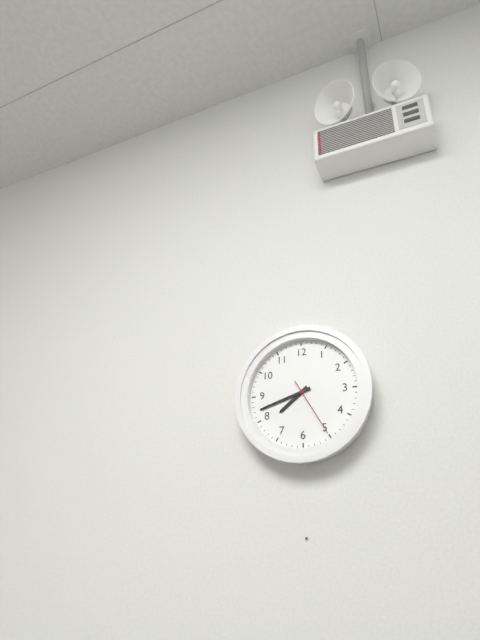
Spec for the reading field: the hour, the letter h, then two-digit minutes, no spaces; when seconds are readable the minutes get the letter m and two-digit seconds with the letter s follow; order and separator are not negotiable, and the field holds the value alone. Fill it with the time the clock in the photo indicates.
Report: 7h42m25s
